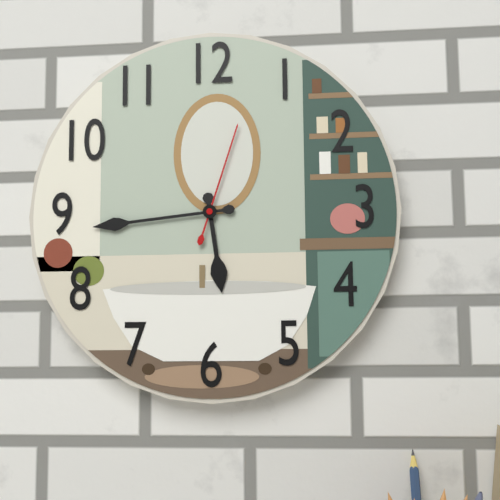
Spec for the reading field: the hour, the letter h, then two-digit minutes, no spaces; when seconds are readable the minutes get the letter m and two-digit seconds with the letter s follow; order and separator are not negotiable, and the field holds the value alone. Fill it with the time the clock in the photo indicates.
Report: 5h44m03s
